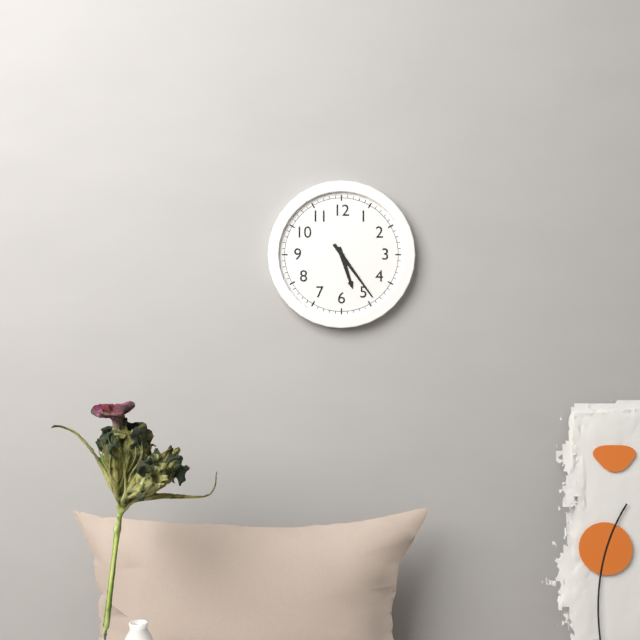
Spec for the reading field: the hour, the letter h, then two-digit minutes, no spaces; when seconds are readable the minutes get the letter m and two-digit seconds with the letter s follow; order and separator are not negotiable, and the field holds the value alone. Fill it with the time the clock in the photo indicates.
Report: 5h24
